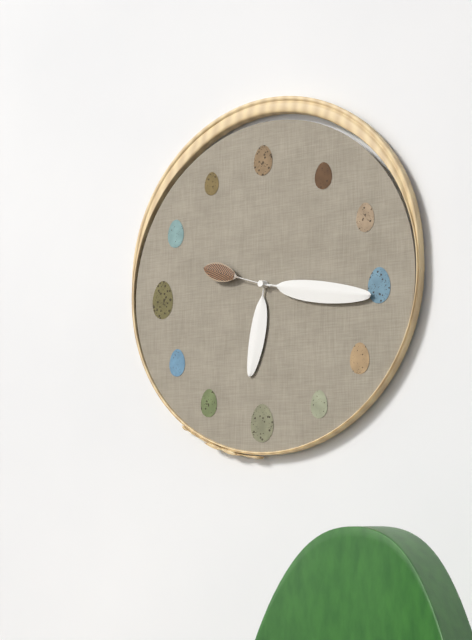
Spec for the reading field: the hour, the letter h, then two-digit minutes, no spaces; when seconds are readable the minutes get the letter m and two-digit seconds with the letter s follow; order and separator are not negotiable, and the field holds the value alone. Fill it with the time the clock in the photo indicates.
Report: 6h17m48s
